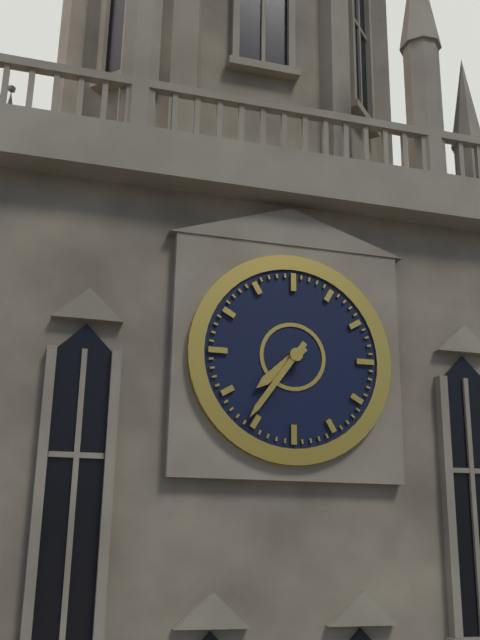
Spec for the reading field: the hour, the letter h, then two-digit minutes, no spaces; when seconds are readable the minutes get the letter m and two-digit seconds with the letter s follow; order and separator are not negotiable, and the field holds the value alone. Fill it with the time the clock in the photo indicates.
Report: 7h36
